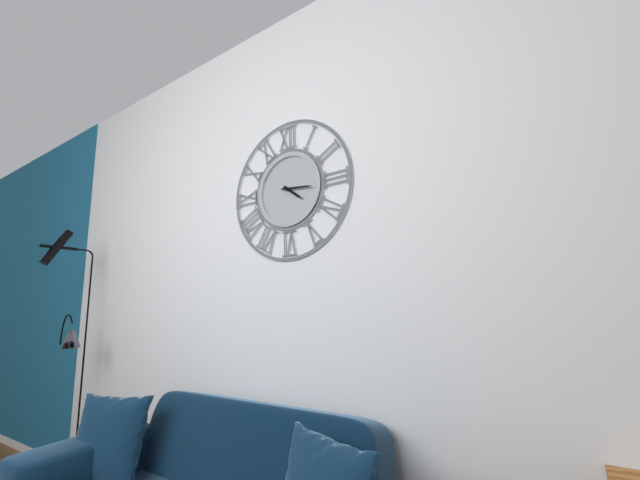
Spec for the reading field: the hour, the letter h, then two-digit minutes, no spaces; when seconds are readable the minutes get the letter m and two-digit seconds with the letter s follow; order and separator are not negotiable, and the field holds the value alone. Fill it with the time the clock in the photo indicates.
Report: 4h16
